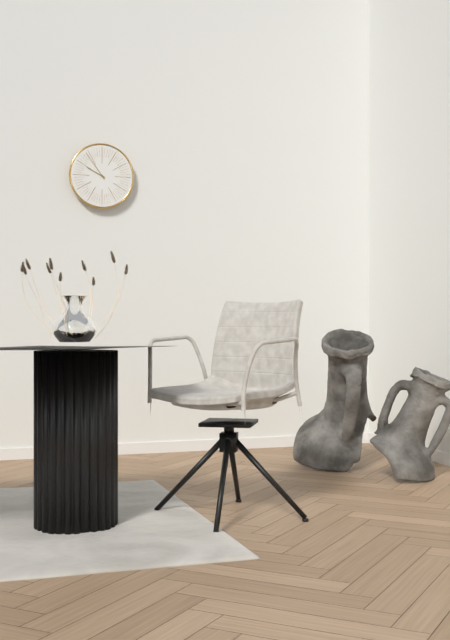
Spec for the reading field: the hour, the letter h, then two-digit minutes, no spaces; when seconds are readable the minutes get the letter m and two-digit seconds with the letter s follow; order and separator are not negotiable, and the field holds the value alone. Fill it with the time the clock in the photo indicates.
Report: 9h54
